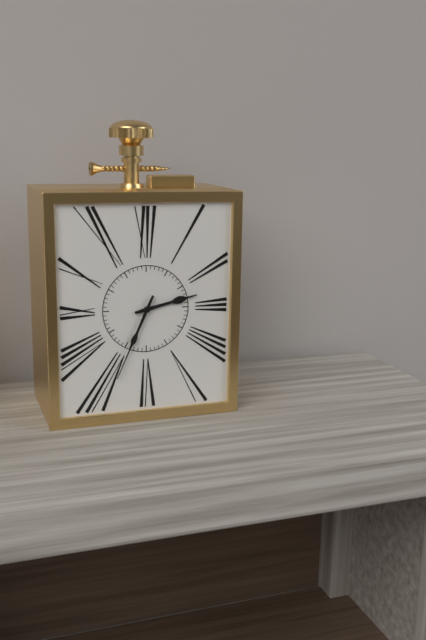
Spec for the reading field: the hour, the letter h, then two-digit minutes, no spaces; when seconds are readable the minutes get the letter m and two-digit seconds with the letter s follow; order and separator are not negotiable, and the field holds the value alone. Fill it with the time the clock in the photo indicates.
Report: 2h34
